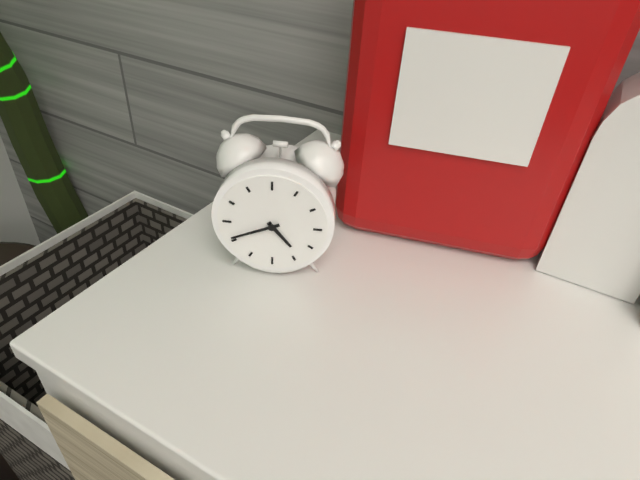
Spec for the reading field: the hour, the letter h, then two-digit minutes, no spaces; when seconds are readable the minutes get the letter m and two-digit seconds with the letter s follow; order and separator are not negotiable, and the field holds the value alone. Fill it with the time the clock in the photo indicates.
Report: 4h41
